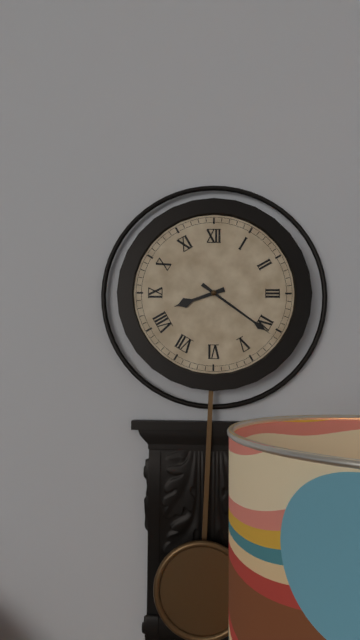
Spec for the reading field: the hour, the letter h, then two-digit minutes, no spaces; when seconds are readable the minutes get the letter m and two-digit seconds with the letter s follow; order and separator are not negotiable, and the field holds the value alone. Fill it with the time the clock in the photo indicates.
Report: 8h21
